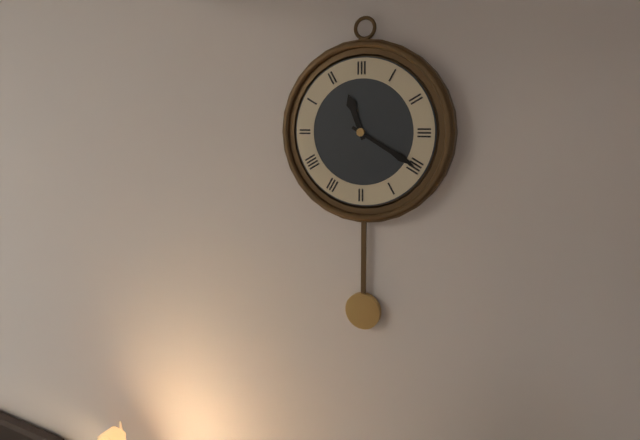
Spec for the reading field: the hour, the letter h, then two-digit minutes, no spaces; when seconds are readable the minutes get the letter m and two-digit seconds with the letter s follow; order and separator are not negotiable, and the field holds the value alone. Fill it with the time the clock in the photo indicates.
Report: 11h20
